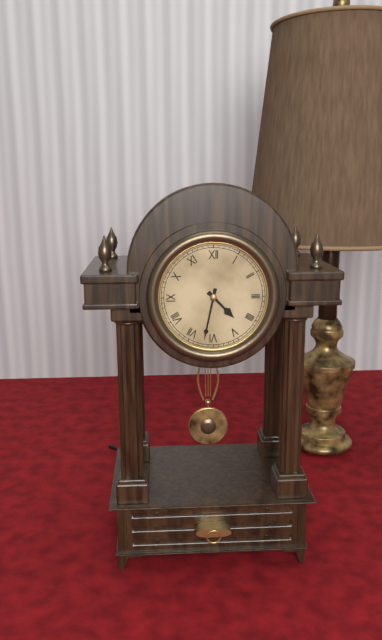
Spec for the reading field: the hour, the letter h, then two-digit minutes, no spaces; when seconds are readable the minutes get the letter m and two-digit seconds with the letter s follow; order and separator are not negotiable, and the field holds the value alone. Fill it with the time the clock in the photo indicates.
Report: 4h32
